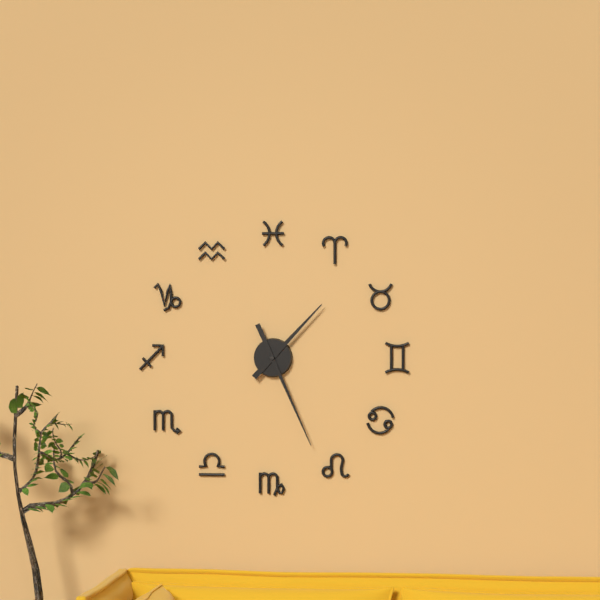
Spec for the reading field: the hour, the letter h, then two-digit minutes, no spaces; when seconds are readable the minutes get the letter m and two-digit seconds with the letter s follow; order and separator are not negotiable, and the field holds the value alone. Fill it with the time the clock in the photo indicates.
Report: 1h26
